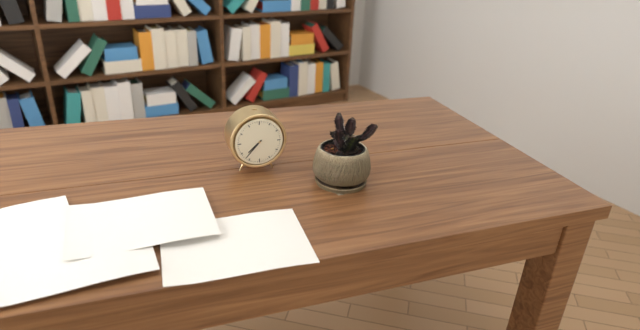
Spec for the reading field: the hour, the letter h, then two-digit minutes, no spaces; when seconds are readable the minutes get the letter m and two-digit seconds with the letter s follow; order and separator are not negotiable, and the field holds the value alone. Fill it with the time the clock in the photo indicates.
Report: 7h37
